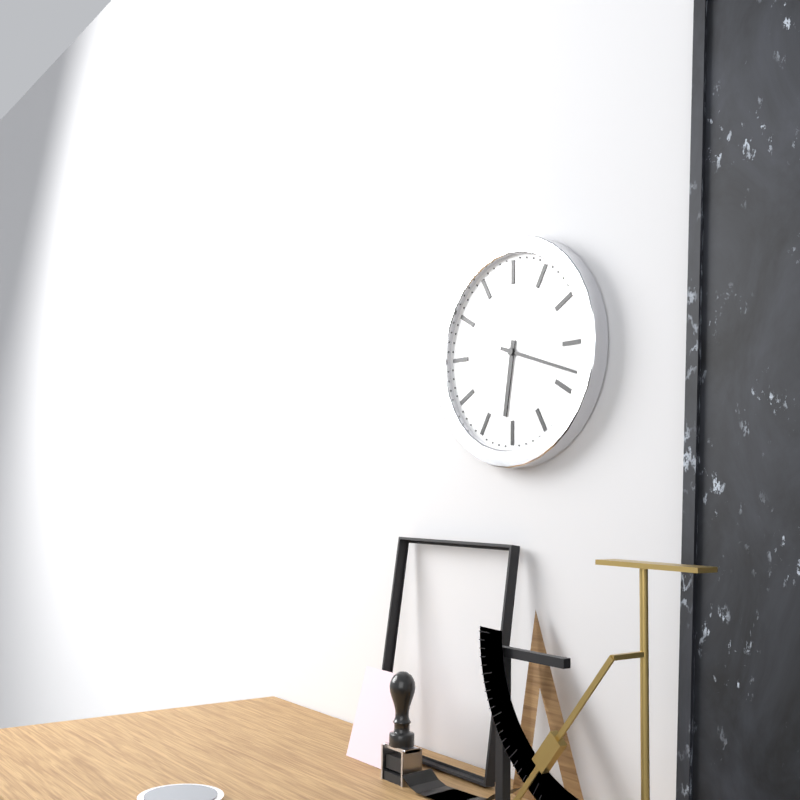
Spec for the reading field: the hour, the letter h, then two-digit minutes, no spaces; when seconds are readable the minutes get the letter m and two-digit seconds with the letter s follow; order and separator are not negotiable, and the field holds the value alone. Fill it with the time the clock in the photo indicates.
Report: 6h18
